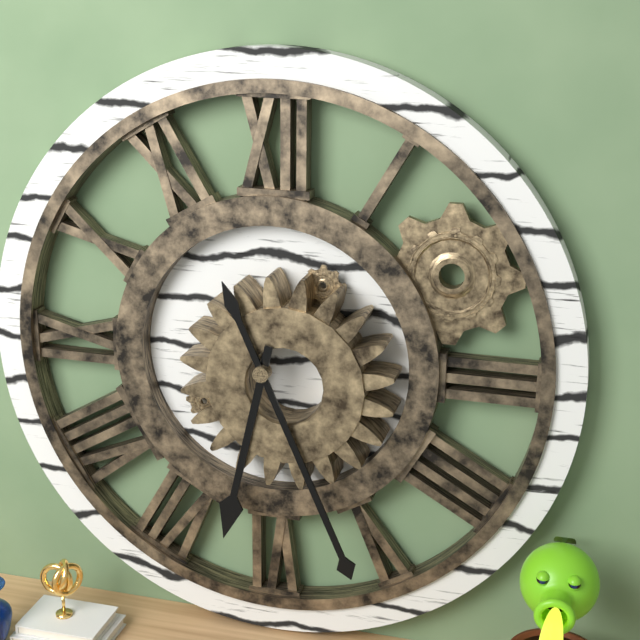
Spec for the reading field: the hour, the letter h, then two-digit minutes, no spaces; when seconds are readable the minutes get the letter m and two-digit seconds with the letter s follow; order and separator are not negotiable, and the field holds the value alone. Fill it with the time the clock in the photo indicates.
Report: 6h26
